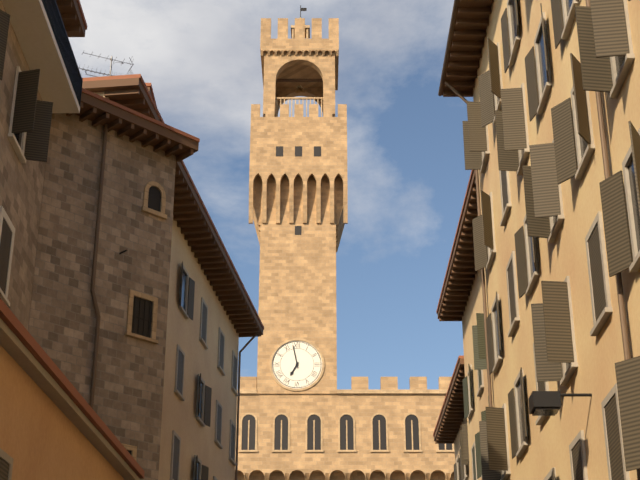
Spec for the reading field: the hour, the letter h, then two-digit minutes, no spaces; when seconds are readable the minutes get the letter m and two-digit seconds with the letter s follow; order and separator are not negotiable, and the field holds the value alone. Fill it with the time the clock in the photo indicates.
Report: 6h58
